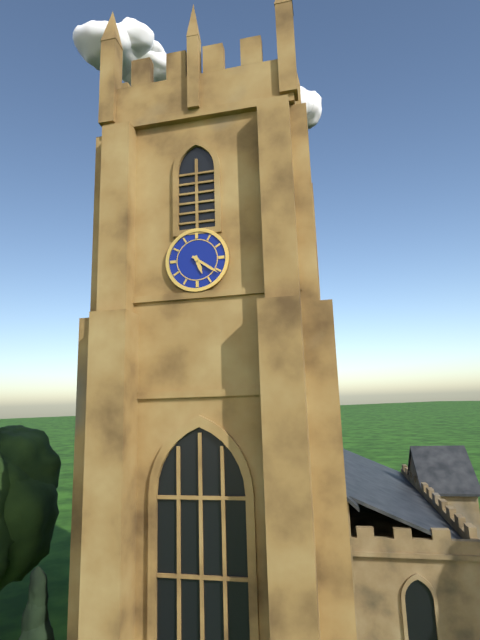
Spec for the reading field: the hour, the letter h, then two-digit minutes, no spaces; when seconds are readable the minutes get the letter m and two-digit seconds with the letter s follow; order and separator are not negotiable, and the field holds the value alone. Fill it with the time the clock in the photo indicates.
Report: 5h21
